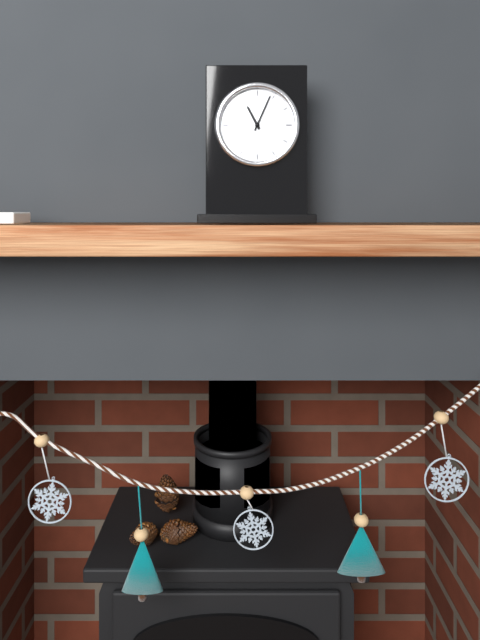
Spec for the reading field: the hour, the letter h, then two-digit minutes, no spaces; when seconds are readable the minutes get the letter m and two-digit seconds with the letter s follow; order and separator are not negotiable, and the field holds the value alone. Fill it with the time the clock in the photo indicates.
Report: 11h04
